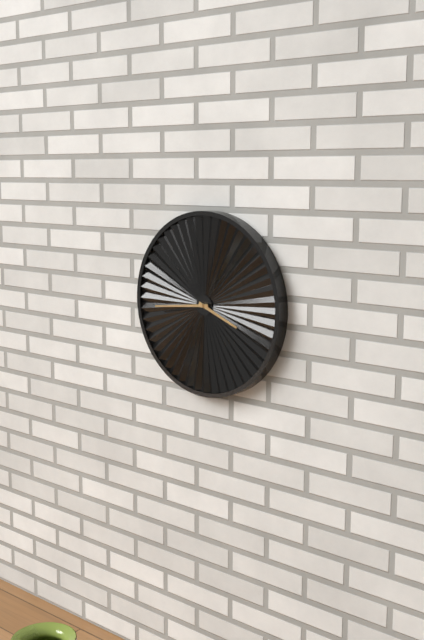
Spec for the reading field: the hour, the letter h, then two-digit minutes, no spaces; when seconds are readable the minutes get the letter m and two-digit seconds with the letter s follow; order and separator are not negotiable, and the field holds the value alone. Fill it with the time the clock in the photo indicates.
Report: 3h44
